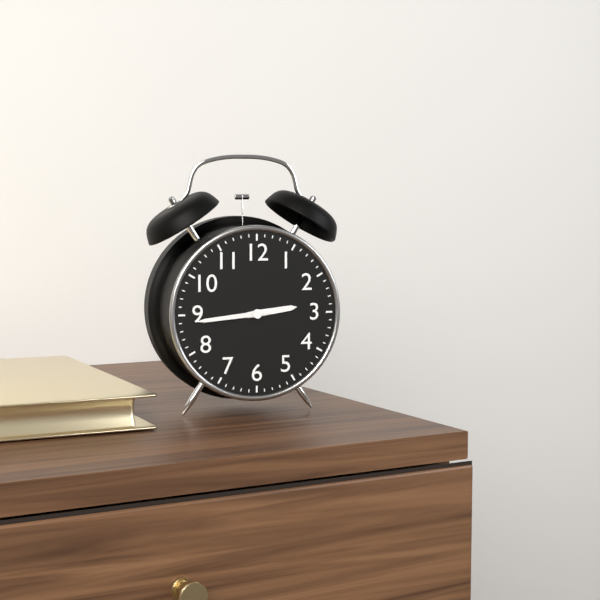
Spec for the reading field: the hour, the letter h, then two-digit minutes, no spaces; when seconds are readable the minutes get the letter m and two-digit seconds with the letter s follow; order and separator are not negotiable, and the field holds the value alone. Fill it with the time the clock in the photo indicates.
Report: 2h44
